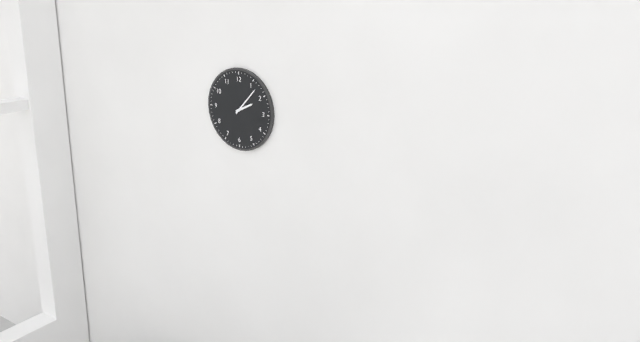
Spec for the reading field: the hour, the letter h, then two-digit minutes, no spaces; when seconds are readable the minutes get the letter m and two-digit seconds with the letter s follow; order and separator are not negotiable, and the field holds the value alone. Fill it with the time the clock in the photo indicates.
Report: 2h07
